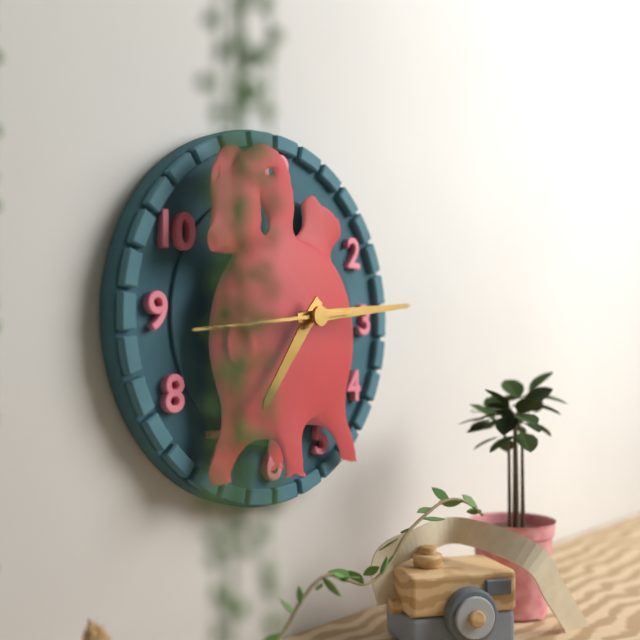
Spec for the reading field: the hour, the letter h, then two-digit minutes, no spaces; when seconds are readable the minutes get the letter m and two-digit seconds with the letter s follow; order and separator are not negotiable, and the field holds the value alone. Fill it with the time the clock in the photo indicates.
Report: 7h14
